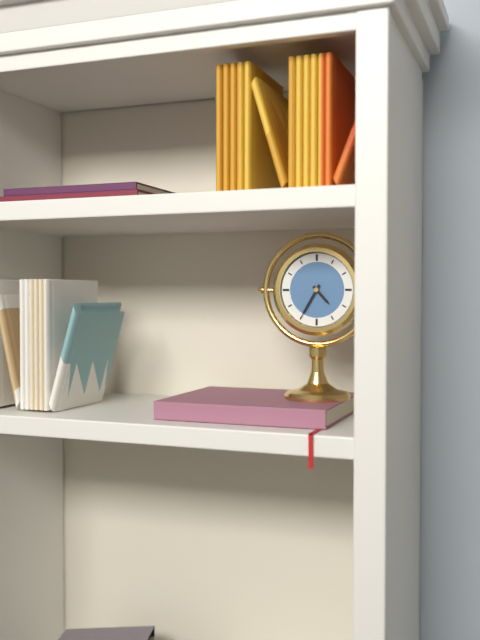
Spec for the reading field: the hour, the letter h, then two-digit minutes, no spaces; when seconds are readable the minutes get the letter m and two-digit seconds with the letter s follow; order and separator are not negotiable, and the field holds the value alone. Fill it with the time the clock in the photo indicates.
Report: 4h35
